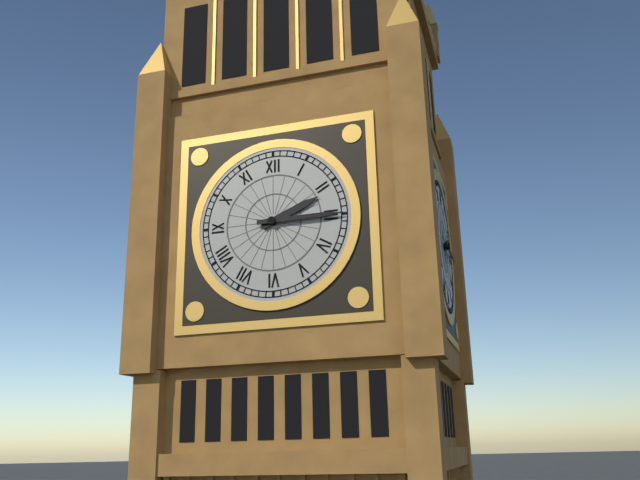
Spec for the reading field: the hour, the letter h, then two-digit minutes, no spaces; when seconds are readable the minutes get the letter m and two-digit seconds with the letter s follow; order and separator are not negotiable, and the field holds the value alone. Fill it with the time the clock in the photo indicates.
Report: 2h15
